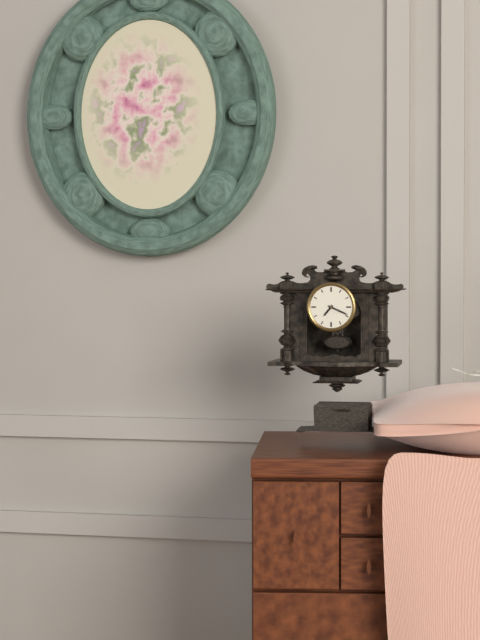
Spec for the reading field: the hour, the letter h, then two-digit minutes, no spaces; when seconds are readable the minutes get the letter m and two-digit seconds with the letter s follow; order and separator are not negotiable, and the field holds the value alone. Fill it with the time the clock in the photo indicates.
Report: 7h19
